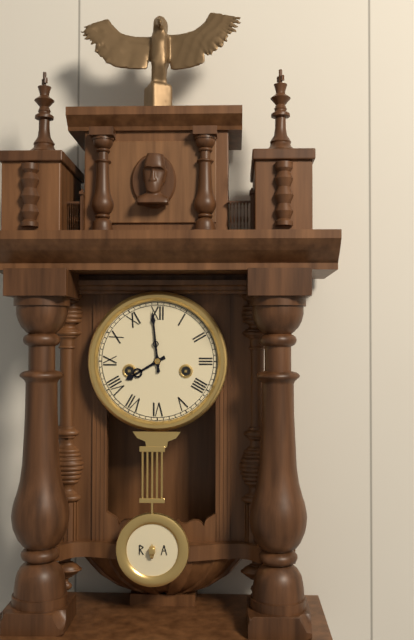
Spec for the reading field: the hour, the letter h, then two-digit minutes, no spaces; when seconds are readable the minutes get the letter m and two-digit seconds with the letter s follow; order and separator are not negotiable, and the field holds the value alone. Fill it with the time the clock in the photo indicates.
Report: 7h59
